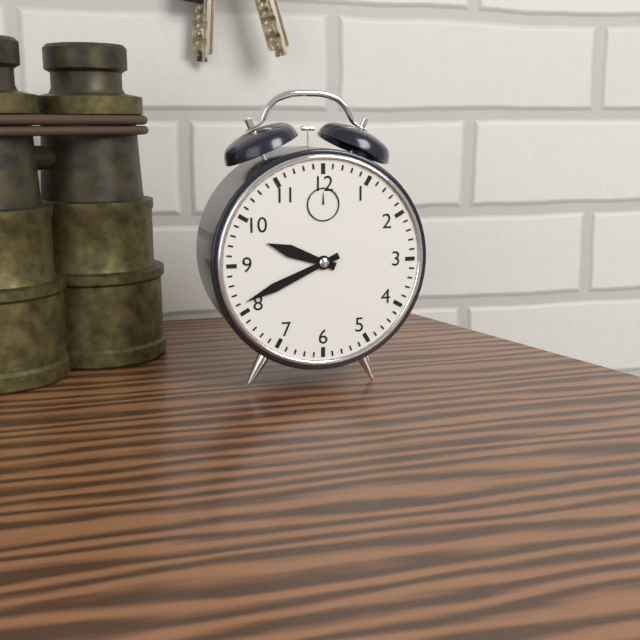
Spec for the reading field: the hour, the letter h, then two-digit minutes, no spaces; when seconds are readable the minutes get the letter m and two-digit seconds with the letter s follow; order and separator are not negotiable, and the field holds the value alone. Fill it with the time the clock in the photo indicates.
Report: 9h41
